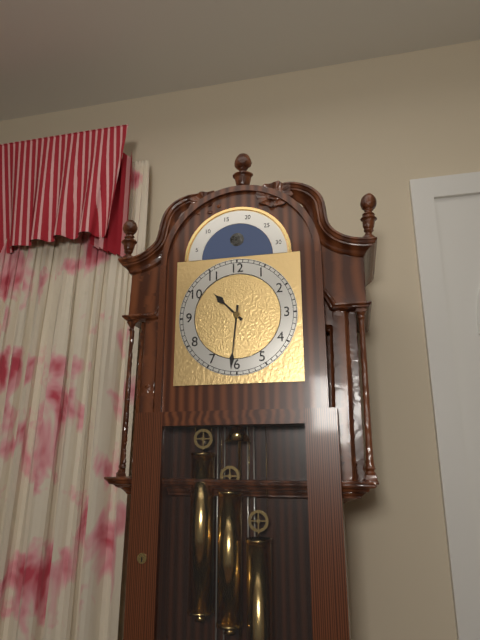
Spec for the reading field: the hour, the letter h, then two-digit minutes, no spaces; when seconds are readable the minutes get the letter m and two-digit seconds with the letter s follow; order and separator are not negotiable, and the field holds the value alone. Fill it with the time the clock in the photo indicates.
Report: 10h31
